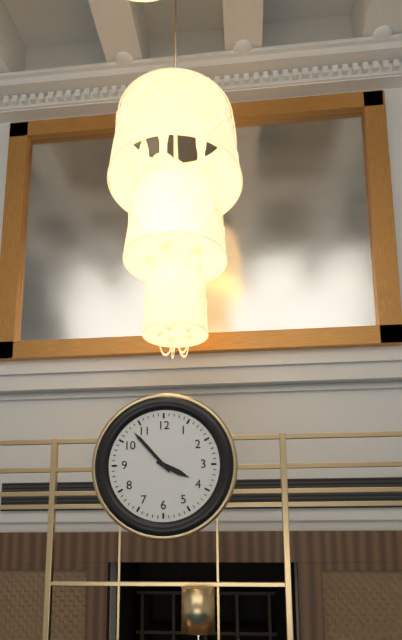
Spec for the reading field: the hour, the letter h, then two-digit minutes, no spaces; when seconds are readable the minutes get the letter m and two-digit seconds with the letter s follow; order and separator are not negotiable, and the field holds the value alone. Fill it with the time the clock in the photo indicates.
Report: 3h53
